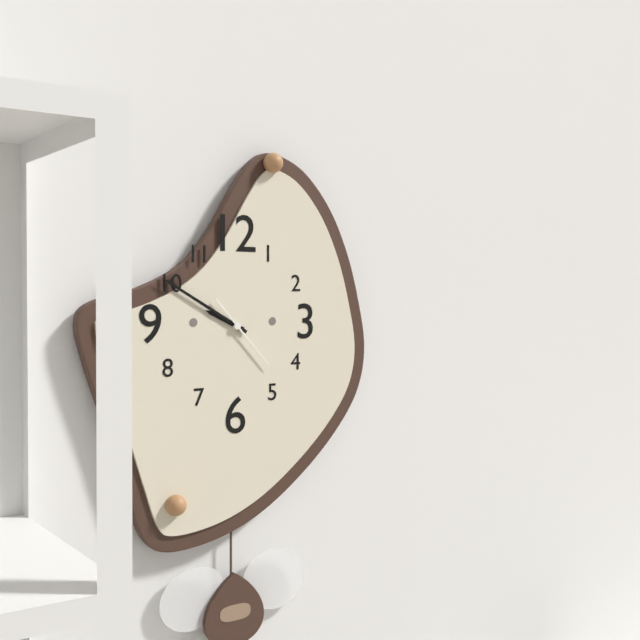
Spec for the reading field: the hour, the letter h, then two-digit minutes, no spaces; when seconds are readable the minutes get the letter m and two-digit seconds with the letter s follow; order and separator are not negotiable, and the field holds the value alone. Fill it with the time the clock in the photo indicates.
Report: 9h50m23s
